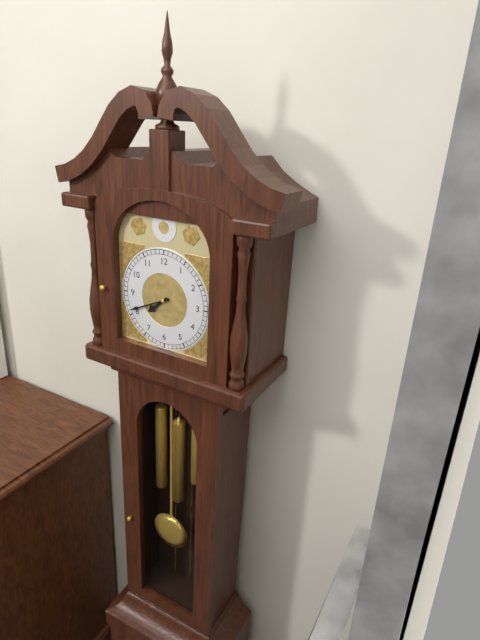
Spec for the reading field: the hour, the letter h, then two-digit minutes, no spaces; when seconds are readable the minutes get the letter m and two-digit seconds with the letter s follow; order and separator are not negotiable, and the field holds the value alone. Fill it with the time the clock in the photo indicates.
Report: 7h41
